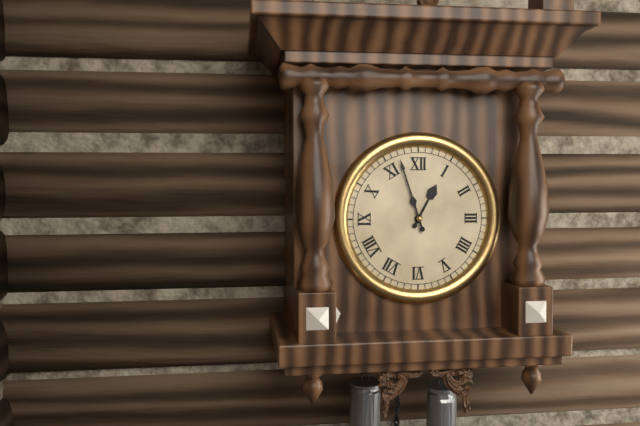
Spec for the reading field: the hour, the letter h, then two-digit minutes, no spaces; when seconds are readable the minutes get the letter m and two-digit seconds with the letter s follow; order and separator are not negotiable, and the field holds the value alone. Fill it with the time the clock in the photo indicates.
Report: 12h57
